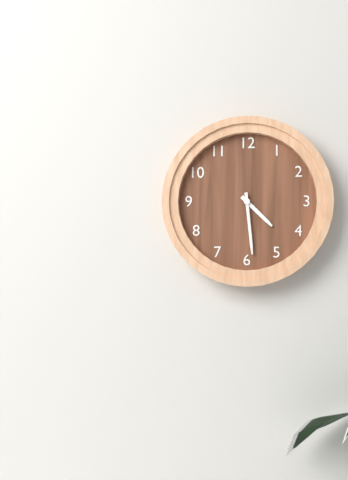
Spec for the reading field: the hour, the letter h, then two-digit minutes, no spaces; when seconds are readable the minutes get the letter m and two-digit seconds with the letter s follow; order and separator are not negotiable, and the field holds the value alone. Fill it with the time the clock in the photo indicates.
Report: 4h29
